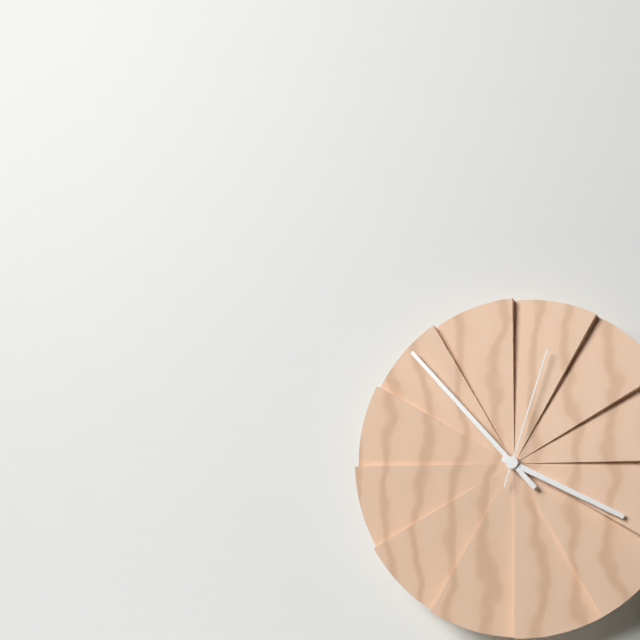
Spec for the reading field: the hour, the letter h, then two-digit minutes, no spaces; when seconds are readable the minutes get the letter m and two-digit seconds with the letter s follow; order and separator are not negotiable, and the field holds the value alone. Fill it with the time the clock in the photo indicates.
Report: 3h53m03s
